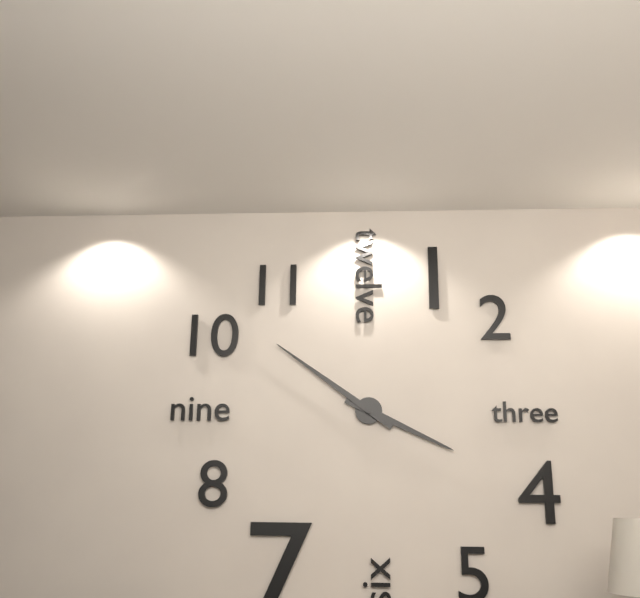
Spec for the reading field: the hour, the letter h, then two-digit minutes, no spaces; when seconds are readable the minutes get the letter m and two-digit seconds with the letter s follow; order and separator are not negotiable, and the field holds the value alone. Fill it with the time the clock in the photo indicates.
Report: 3h51
